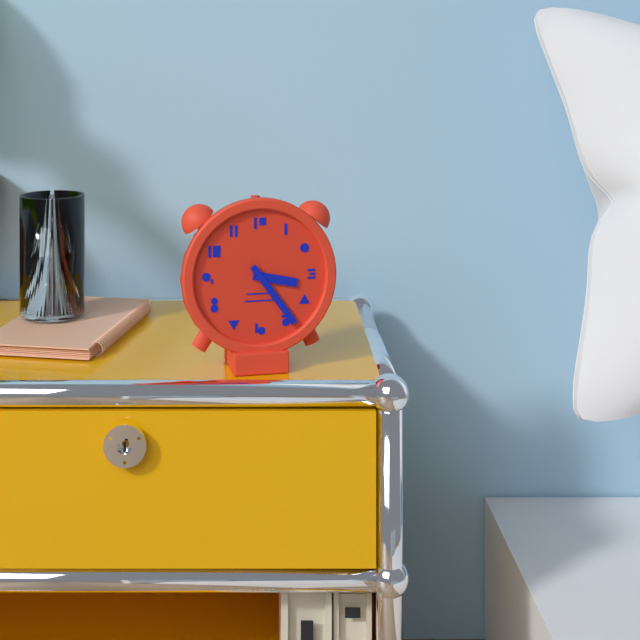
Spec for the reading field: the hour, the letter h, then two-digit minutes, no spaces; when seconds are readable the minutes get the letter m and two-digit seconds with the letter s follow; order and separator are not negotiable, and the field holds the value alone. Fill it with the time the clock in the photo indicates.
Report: 3h24
